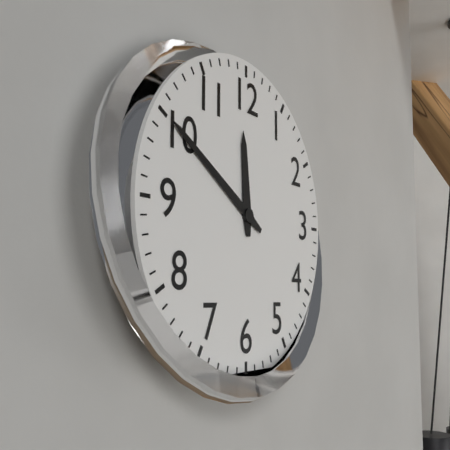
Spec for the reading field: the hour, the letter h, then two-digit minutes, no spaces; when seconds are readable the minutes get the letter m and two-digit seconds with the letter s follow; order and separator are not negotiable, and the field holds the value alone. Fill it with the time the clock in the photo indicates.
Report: 11h50
